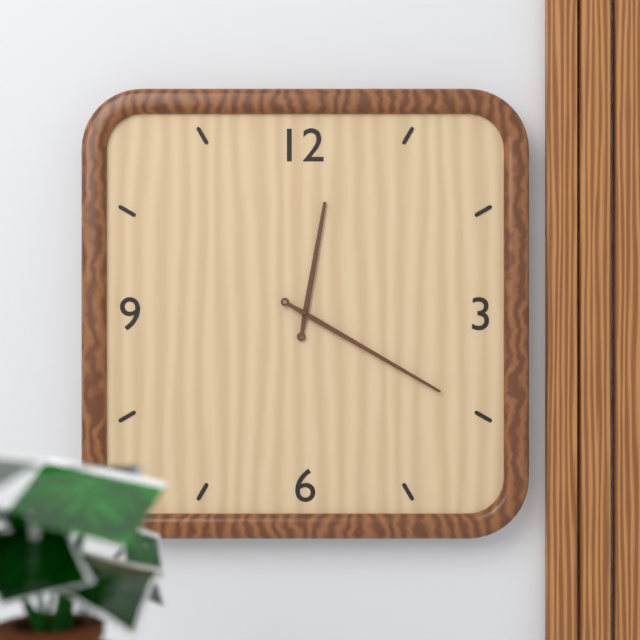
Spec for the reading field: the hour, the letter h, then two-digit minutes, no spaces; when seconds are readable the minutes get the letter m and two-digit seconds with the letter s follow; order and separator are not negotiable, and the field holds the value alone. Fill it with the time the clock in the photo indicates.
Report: 12h20
